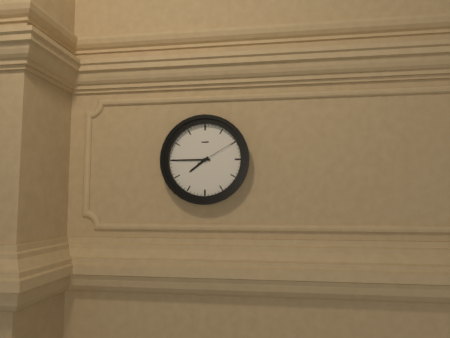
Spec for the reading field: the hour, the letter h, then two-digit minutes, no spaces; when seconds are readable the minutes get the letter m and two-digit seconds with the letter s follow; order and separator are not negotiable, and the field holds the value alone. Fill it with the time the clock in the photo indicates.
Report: 7h45
